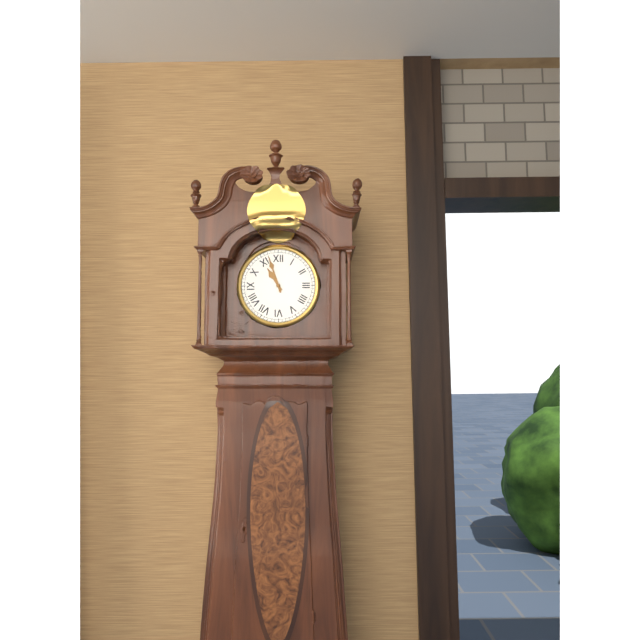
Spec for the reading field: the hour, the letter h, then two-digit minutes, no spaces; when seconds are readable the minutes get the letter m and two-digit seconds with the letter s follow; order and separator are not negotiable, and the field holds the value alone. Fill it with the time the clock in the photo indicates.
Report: 10h57
